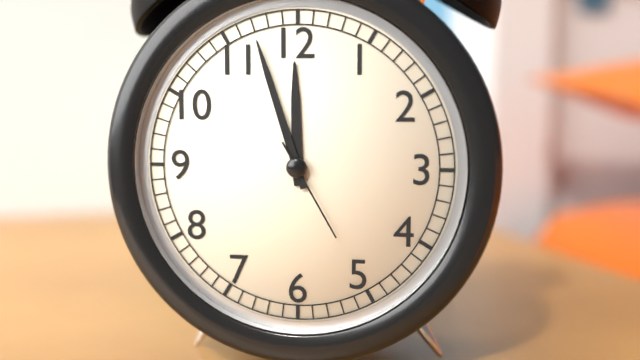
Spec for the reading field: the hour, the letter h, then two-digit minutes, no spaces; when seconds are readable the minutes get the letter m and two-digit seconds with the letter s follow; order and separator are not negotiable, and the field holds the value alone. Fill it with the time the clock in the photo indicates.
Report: 11h57m25s
